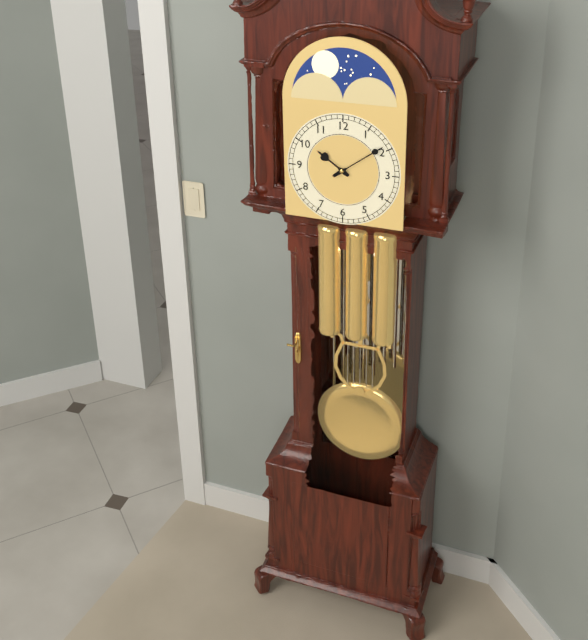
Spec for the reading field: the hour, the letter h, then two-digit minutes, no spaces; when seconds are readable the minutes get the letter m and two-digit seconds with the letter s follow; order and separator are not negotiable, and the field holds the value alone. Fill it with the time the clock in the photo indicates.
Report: 10h09
